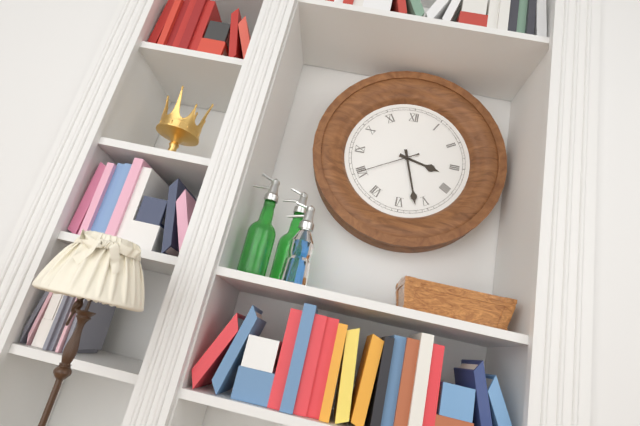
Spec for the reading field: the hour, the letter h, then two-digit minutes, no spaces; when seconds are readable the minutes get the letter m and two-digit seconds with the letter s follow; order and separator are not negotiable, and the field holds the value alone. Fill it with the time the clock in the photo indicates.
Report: 3h27m40s
